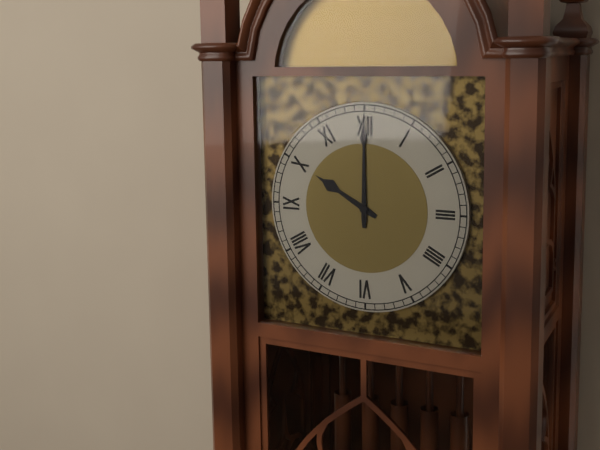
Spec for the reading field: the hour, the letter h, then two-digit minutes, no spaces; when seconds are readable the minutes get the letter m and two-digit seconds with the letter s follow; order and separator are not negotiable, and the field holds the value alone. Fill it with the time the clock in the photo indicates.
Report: 10h00
